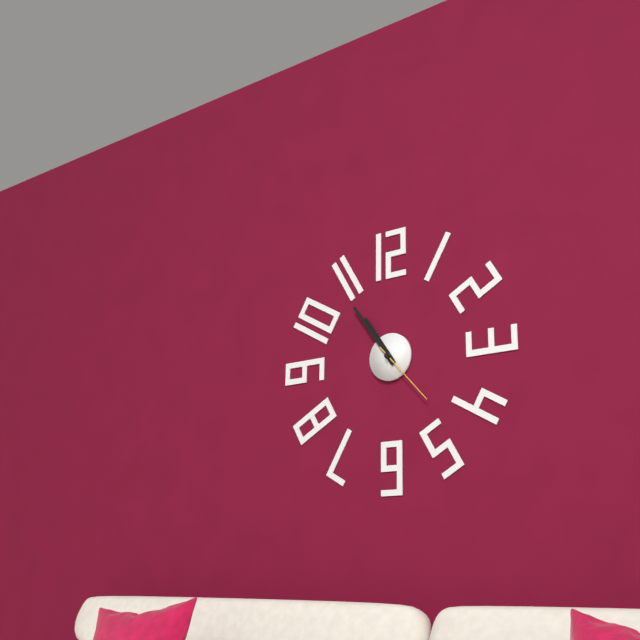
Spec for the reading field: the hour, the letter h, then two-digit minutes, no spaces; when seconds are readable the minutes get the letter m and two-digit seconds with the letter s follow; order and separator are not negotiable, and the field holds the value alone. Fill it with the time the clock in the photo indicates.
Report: 10h54m23s
